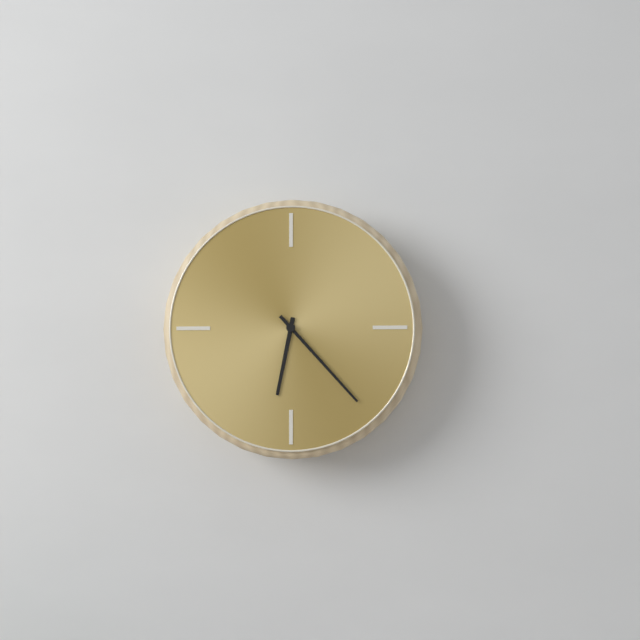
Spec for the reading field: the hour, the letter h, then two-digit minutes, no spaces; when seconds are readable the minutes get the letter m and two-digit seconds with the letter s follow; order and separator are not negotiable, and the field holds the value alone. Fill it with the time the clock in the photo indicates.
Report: 6h23
